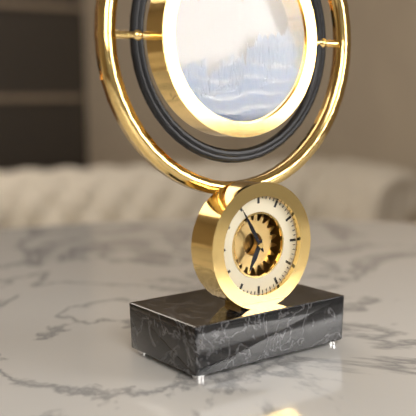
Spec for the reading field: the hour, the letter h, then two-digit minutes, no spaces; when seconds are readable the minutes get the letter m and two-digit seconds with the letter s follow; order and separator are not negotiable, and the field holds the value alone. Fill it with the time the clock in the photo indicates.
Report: 6h55
